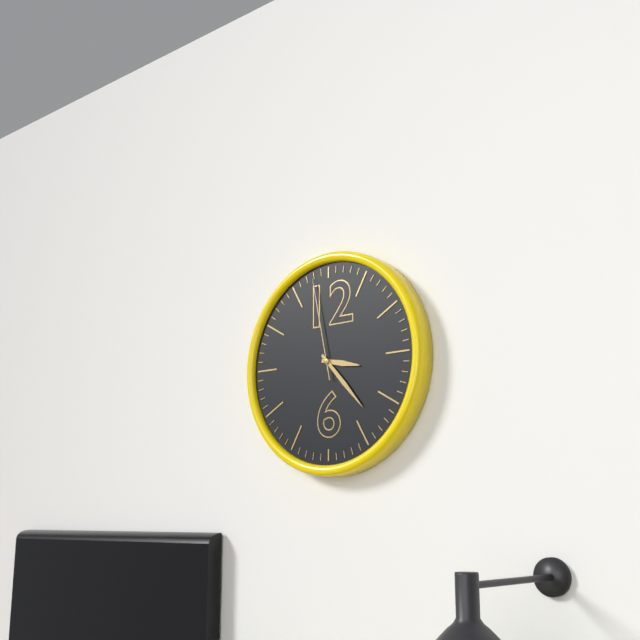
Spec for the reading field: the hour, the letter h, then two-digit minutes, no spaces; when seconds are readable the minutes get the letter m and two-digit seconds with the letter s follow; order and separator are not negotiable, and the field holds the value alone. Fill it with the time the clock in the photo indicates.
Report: 3h23m58s
